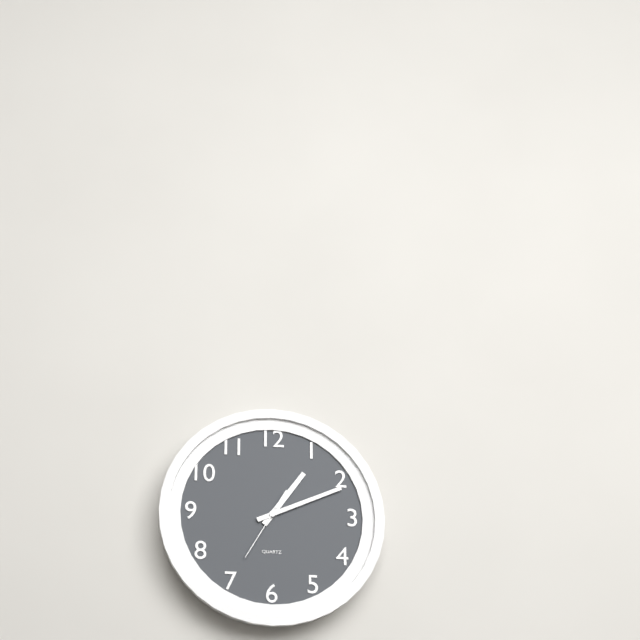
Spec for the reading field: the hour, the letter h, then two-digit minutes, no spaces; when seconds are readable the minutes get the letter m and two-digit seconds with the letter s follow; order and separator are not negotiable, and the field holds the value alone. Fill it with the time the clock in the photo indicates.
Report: 1h11m35s
